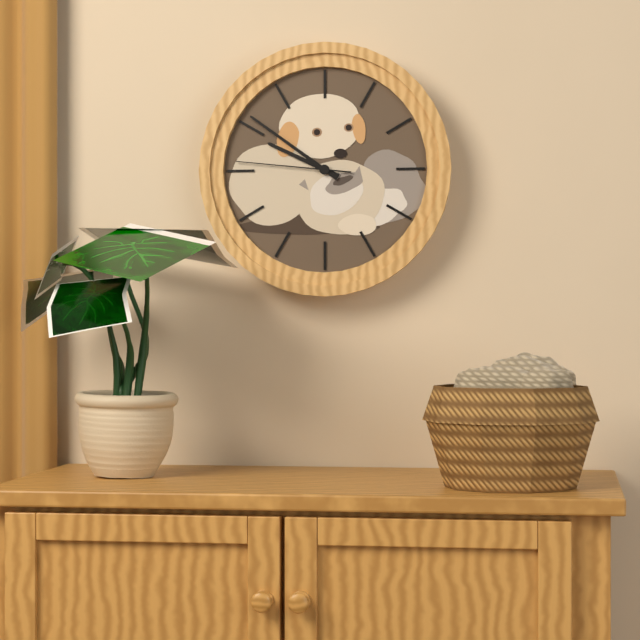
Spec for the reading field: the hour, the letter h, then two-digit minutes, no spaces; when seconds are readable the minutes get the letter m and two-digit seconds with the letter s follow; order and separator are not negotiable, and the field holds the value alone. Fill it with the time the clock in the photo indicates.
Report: 9h51m46s
